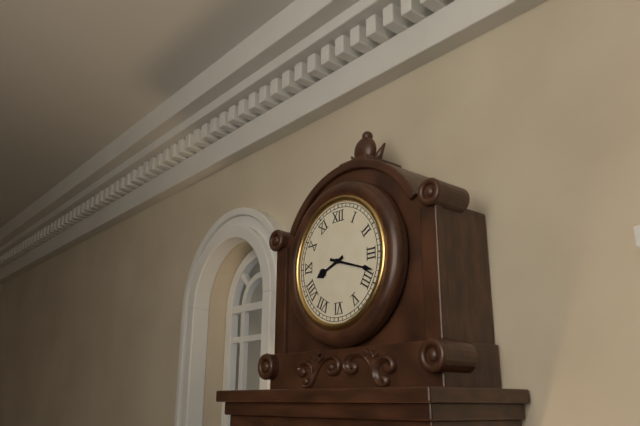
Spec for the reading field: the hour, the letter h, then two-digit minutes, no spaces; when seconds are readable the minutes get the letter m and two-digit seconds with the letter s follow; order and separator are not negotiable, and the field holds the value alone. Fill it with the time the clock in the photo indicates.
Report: 8h18
